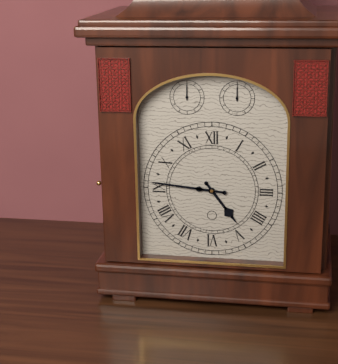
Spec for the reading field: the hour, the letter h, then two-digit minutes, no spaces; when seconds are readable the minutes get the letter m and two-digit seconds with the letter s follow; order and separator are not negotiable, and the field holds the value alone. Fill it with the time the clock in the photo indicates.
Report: 4h46
